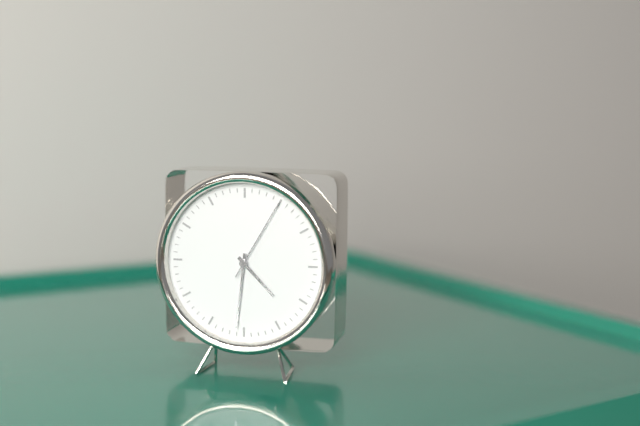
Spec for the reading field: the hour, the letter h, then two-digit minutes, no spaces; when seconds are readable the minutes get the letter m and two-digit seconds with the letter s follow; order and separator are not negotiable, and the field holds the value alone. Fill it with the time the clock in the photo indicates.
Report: 4h31m05s
